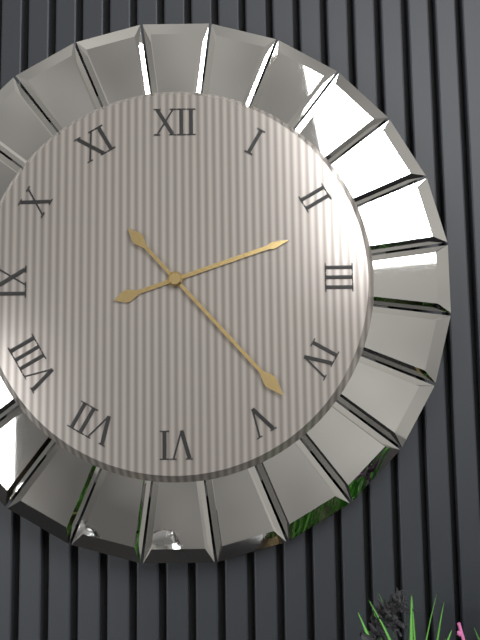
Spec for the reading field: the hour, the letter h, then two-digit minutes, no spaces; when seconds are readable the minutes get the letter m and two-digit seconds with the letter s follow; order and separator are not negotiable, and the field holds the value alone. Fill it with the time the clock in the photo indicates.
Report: 2h23
